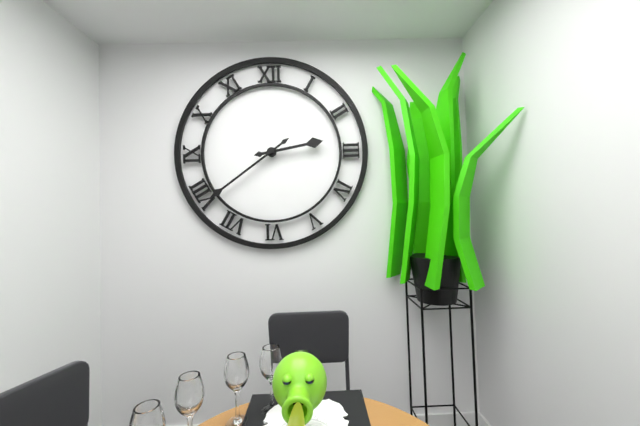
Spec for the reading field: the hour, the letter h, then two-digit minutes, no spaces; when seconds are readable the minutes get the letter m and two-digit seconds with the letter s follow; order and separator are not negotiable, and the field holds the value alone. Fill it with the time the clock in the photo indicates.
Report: 2h39
